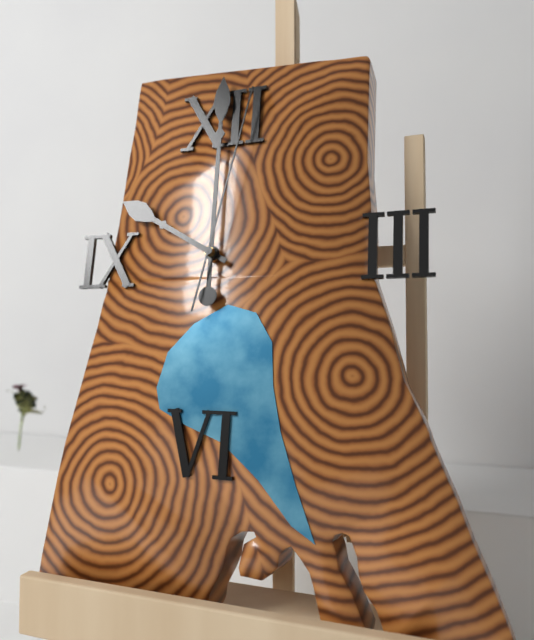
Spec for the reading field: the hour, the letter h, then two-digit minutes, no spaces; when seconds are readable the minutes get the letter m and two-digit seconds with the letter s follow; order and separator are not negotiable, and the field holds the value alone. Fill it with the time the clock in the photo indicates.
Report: 10h00m02s
